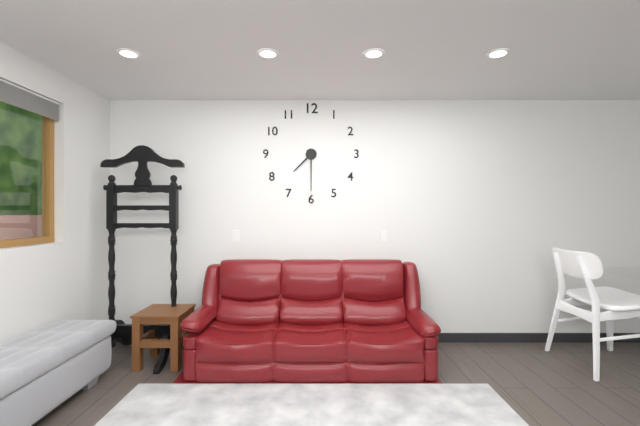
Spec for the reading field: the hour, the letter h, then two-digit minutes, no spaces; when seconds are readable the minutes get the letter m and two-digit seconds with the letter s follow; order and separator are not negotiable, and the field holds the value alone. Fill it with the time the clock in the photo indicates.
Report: 7h30
